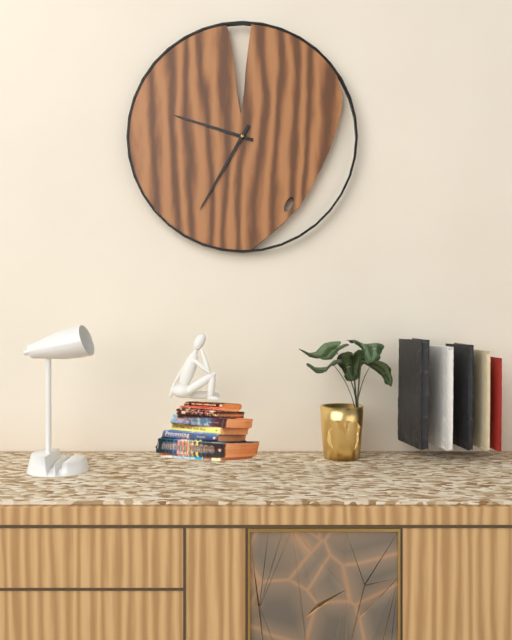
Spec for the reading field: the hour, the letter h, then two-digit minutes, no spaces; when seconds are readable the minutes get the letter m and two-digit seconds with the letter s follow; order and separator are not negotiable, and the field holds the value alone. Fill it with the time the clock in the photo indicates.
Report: 9h35
